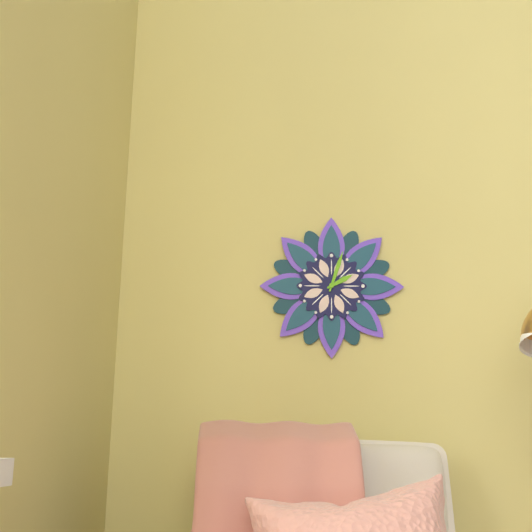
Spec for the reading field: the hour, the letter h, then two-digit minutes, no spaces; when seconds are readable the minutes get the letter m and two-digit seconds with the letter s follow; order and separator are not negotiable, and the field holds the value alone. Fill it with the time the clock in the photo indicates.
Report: 2h03
